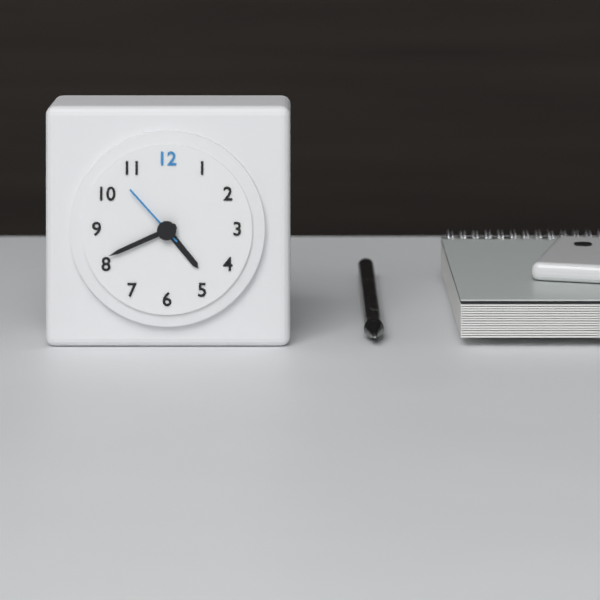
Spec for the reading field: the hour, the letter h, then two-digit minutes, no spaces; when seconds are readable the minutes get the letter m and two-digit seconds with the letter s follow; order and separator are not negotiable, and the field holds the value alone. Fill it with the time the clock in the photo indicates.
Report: 4h41m53s
